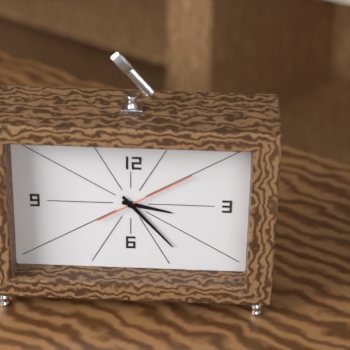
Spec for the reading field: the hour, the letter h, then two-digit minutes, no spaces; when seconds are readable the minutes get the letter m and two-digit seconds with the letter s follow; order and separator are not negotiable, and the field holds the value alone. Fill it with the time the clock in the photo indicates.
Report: 3h23m10s
